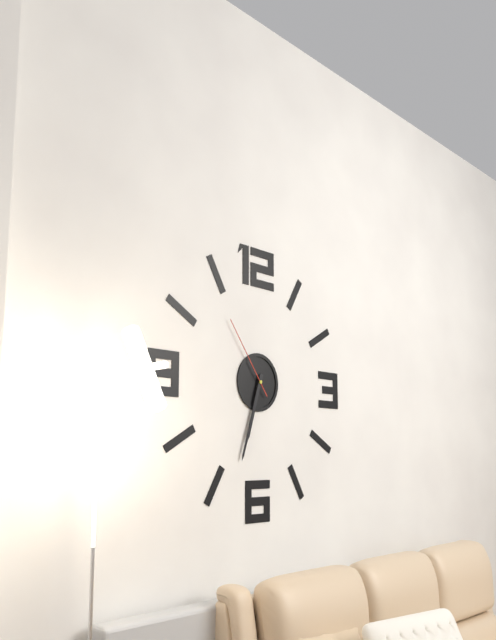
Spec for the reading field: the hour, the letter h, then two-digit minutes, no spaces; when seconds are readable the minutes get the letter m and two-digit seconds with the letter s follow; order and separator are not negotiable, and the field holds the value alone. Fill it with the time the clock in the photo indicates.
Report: 6h33m54s
